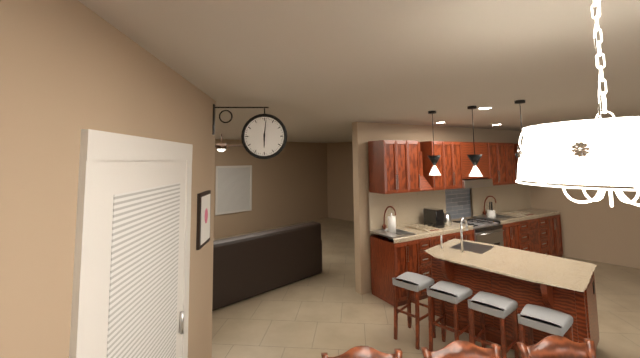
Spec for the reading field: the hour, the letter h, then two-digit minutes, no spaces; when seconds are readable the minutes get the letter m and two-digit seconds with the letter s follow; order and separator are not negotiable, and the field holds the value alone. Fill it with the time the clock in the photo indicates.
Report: 6h01
